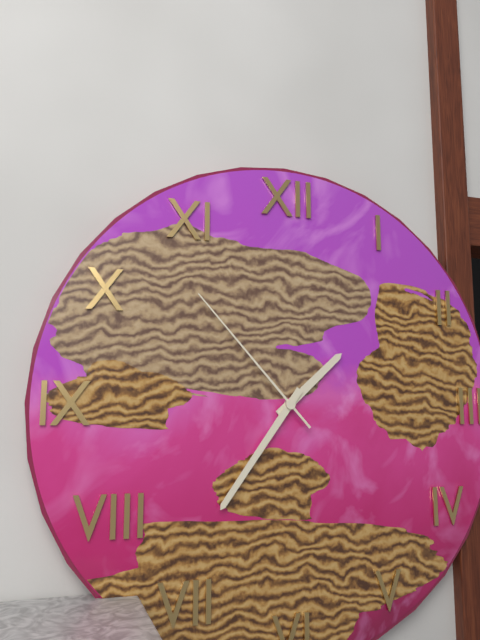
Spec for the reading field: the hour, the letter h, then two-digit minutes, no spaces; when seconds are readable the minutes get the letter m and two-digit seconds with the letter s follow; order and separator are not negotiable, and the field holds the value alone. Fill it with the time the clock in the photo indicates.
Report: 1h36m53s
